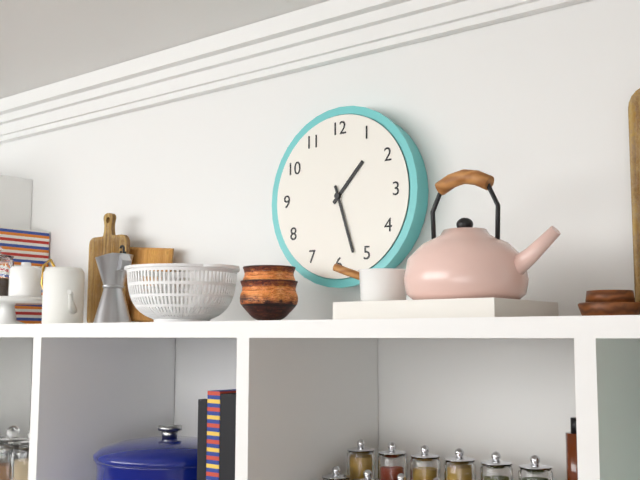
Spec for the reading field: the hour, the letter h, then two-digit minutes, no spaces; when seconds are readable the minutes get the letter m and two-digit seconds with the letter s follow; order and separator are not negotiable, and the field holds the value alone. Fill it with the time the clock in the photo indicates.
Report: 1h27
